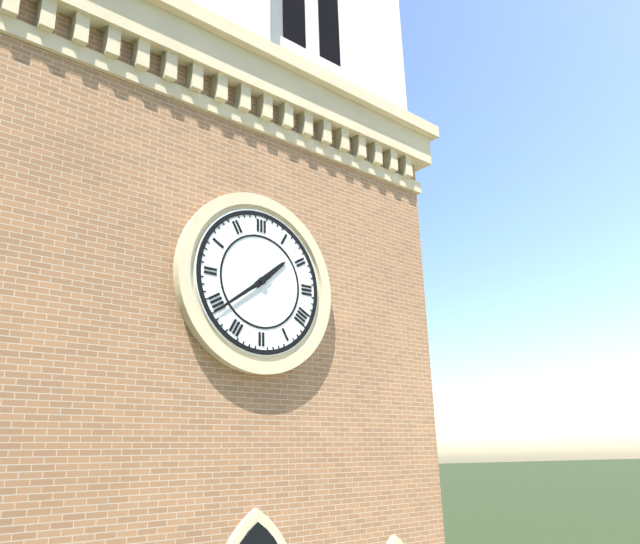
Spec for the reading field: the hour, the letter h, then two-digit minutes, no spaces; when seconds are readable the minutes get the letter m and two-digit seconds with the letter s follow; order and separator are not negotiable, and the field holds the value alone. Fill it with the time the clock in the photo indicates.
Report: 1h39
